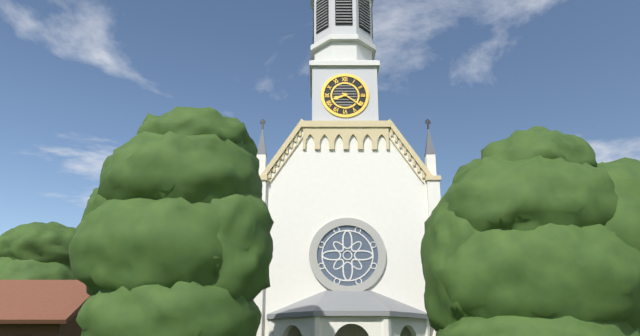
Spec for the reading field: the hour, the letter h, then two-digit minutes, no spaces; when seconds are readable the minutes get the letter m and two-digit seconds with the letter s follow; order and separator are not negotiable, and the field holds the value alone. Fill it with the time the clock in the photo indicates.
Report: 8h21
